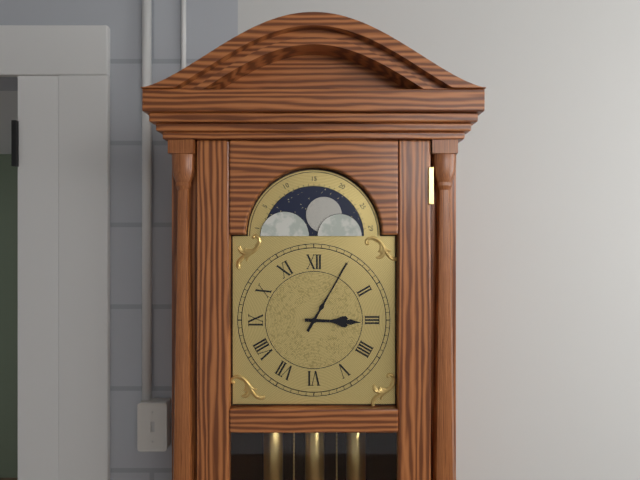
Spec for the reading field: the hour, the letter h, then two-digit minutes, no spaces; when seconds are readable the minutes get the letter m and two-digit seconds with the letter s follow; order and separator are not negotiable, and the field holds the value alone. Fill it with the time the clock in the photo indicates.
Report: 3h05
